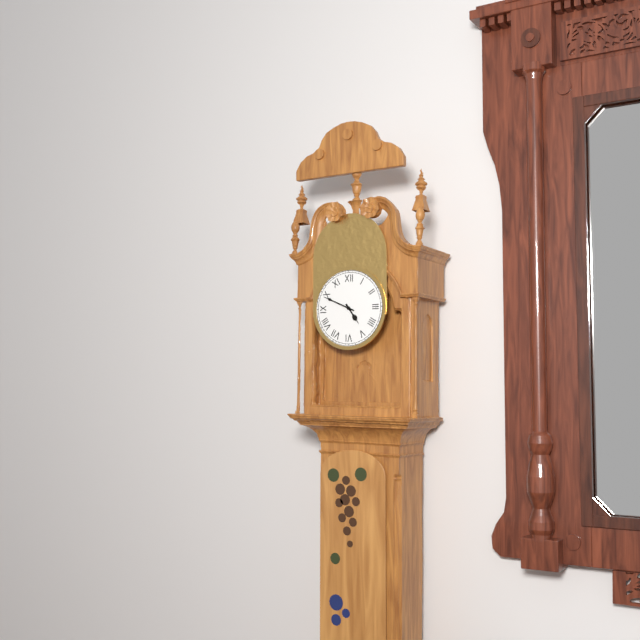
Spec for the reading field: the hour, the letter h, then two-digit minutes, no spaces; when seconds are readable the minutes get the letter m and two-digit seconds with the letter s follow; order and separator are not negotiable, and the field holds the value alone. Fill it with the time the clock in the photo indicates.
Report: 4h49
